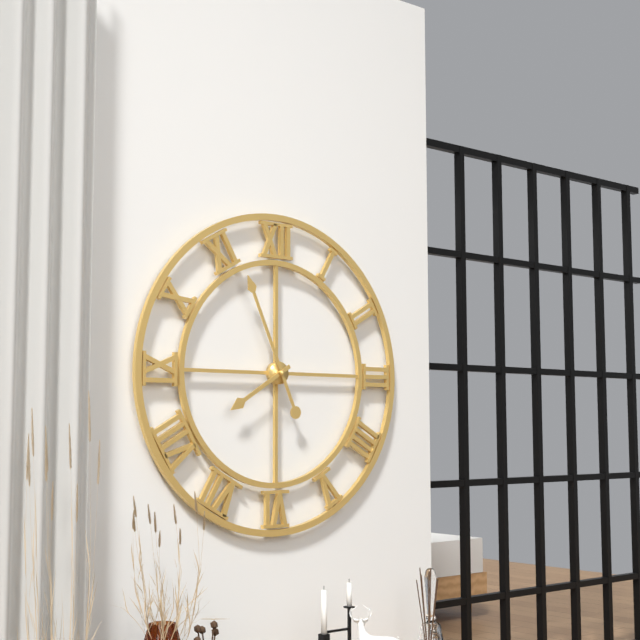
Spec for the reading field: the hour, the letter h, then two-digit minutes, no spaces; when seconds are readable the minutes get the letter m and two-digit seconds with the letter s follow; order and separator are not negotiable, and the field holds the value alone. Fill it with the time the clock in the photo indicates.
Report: 7h56
